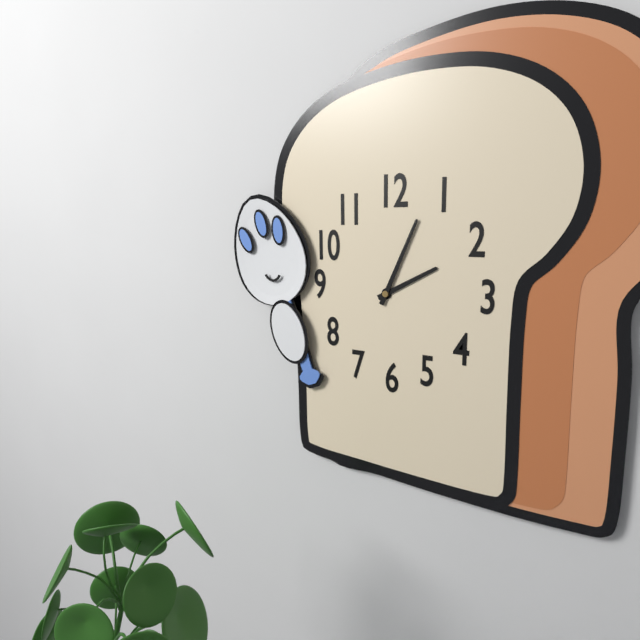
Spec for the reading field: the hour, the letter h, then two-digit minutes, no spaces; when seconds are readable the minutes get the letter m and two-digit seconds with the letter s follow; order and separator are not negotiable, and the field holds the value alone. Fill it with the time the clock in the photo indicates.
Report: 2h04
